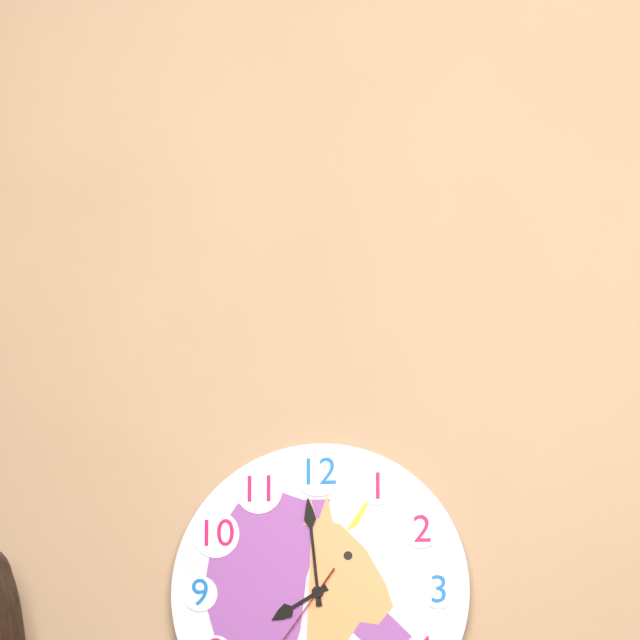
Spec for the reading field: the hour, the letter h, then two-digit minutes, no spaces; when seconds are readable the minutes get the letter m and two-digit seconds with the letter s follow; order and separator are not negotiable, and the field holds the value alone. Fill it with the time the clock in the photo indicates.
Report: 7h59
